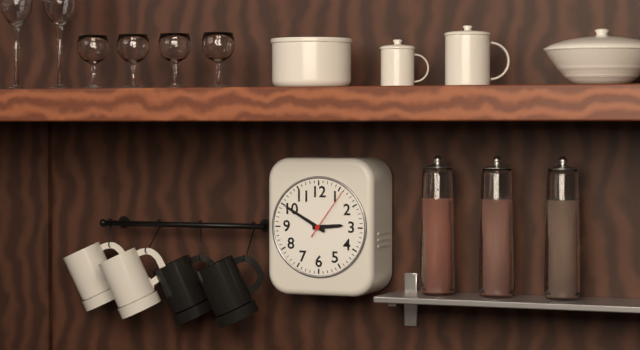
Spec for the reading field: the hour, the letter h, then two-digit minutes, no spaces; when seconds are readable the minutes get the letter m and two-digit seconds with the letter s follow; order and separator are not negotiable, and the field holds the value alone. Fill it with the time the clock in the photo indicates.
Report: 2h50m06s
